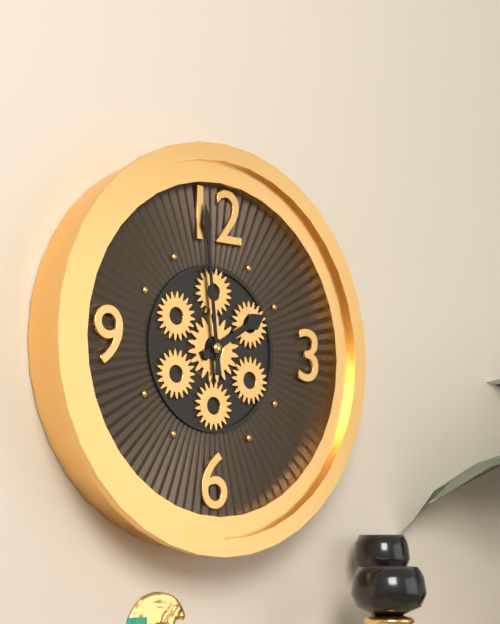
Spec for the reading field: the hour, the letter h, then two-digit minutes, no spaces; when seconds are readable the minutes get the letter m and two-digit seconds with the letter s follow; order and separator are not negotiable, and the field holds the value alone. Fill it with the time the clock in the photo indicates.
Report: 1h59
